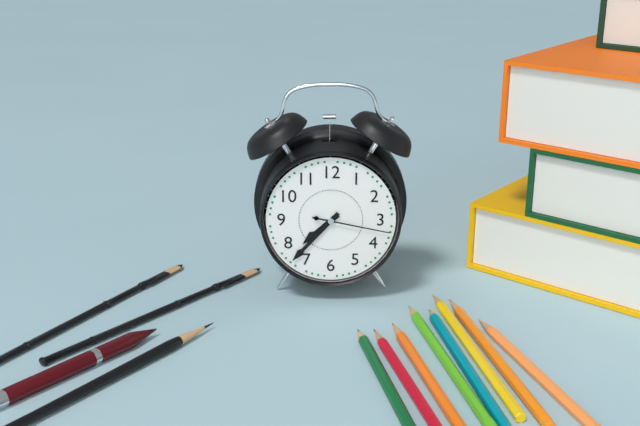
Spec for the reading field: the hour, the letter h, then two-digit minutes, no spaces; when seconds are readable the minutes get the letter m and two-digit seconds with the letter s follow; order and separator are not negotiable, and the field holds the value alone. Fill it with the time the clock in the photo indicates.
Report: 7h37m17s
